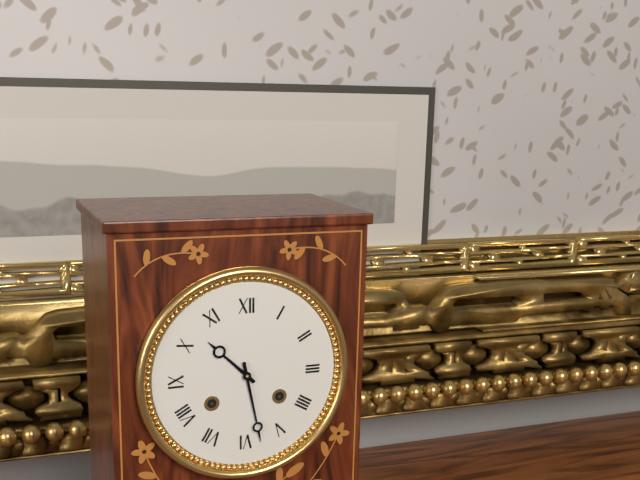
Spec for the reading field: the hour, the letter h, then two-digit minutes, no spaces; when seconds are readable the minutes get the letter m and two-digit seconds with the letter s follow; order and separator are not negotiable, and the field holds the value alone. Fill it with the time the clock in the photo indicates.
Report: 10h28
